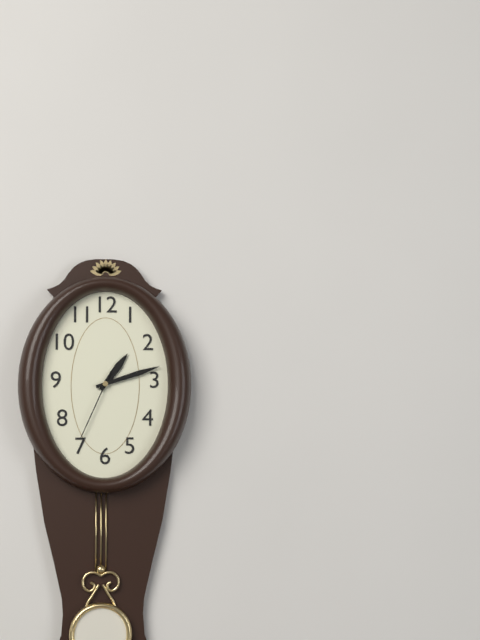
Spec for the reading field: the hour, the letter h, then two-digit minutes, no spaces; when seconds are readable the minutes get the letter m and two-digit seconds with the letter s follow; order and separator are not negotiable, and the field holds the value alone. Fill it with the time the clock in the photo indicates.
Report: 1h12m34s
